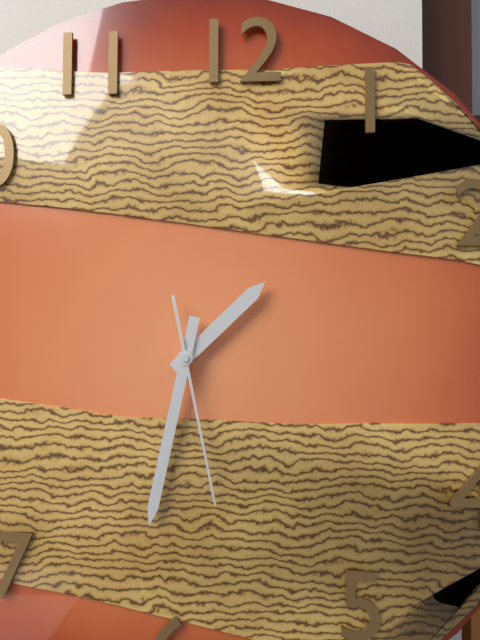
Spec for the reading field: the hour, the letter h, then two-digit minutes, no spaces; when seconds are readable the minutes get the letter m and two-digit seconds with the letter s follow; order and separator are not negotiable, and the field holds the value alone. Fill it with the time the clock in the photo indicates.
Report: 1h32m28s
